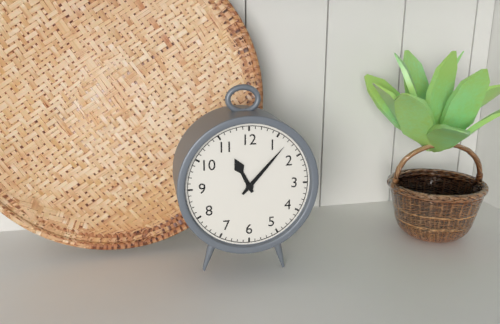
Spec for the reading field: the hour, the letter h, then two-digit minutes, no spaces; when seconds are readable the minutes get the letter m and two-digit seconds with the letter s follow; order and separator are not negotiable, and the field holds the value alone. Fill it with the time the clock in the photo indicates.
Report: 11h07
